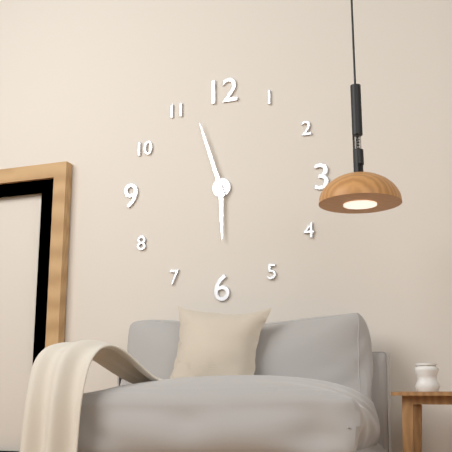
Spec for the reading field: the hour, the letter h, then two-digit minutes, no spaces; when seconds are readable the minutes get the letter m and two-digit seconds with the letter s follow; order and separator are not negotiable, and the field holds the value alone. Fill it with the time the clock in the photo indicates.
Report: 5h57
